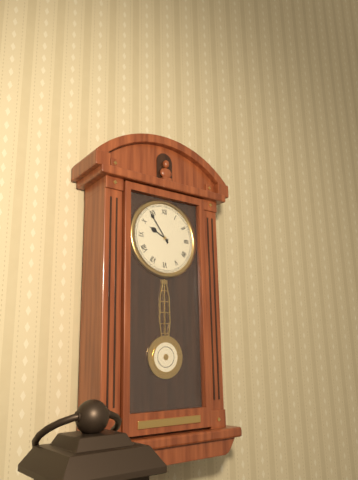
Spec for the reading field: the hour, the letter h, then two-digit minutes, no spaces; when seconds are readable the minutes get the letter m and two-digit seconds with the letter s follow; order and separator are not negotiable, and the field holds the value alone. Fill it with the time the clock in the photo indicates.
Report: 9h54
